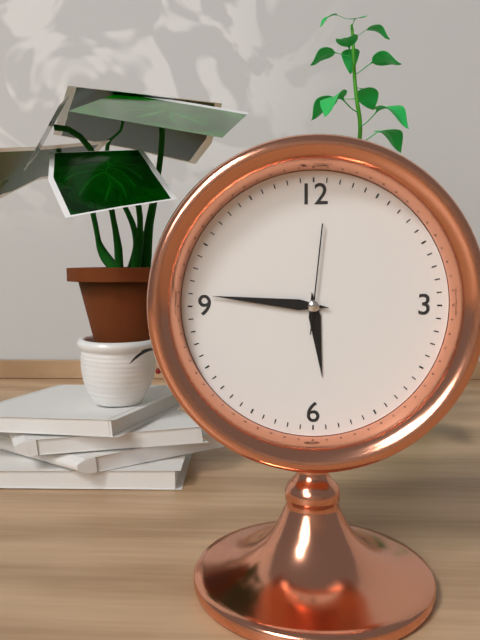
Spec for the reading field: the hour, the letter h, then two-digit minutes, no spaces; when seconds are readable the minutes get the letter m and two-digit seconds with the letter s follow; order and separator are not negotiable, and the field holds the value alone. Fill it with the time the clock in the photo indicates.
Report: 5h46m01s
